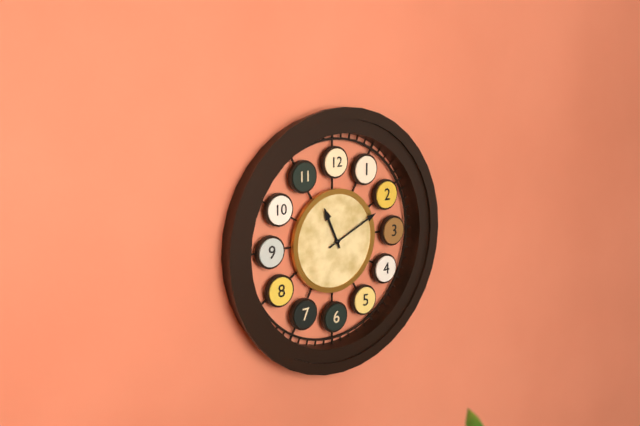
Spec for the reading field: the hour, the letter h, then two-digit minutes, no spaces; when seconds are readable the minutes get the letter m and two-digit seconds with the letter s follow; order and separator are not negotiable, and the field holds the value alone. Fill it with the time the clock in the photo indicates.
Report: 11h11
